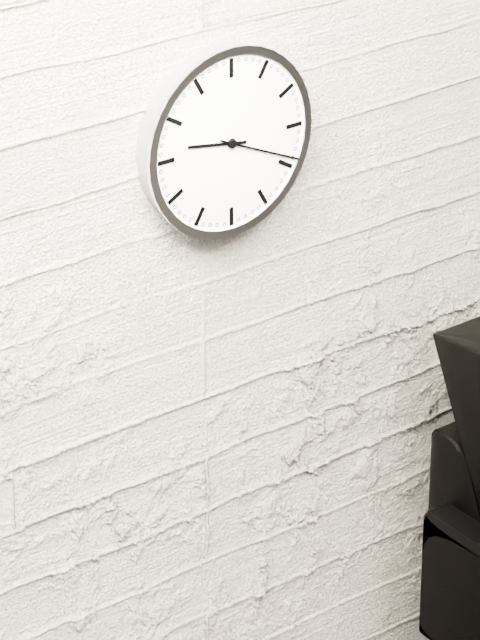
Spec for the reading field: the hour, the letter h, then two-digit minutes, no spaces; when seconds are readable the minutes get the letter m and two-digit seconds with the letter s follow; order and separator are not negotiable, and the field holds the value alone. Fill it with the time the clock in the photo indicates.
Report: 9h19
